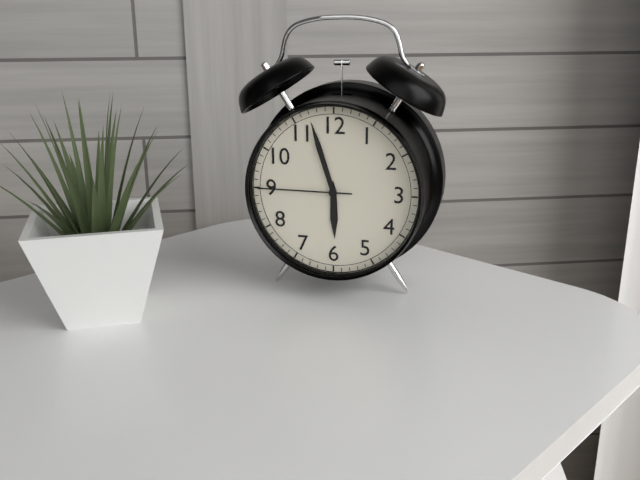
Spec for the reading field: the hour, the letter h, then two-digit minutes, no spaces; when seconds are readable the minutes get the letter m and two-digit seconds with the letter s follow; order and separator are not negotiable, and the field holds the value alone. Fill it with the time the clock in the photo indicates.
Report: 5h57m45s
